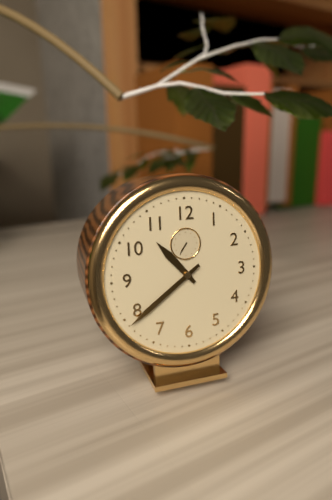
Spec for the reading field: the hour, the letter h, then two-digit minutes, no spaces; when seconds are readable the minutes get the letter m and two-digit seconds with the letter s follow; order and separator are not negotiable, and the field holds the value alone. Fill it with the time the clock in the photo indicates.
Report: 10h39
